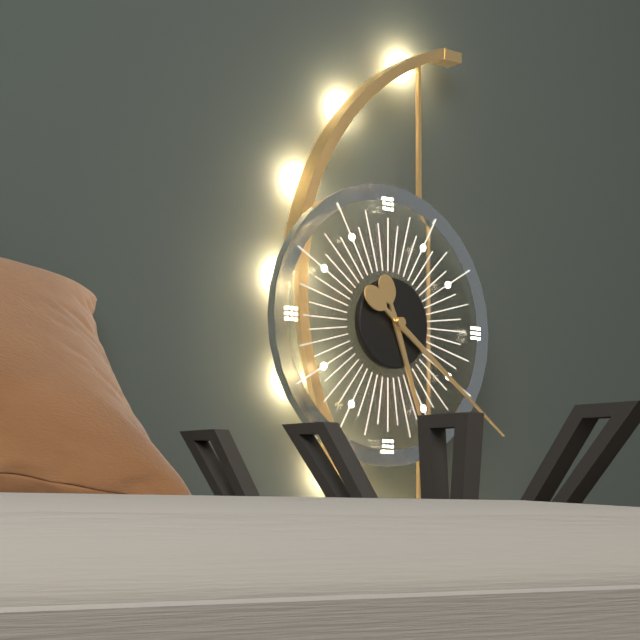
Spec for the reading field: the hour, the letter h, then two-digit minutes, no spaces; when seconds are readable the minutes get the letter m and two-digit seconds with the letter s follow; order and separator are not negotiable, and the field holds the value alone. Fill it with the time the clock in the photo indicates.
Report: 5h21
